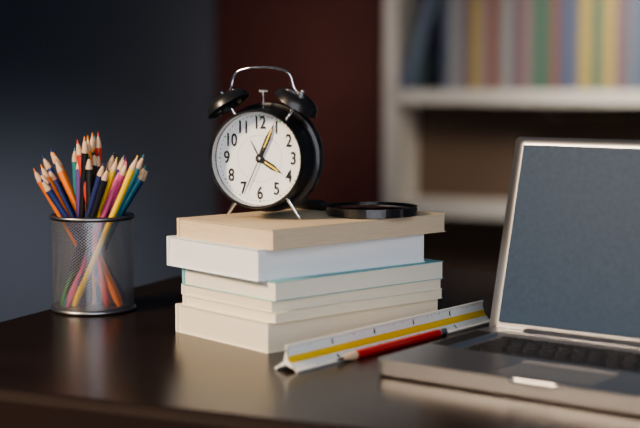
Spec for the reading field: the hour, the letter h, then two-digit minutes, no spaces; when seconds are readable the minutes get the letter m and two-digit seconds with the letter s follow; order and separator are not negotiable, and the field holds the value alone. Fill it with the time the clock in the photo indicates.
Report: 4h04
